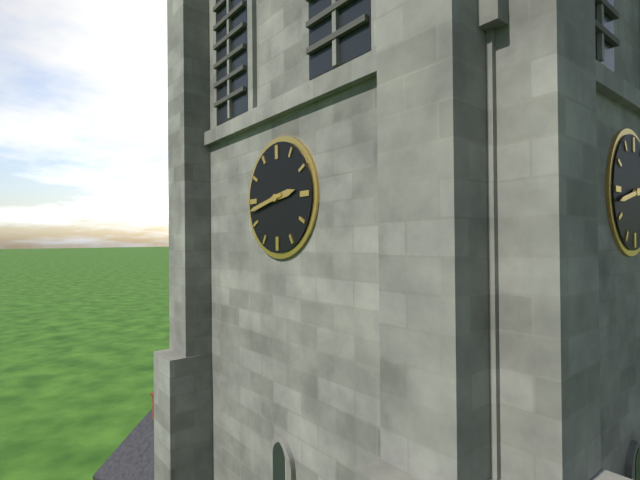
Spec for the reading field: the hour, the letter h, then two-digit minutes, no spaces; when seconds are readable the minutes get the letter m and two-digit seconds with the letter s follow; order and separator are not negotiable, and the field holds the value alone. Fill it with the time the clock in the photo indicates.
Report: 2h43
